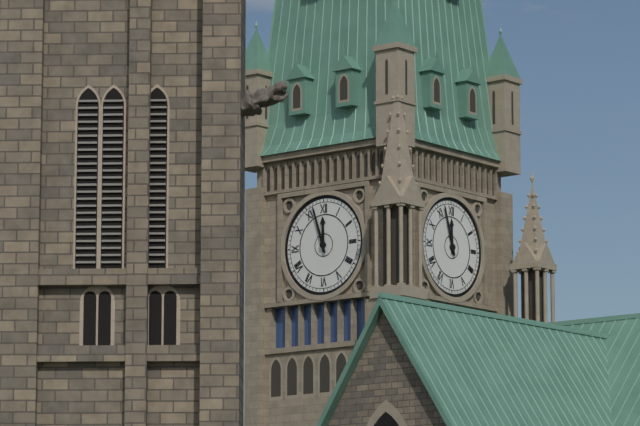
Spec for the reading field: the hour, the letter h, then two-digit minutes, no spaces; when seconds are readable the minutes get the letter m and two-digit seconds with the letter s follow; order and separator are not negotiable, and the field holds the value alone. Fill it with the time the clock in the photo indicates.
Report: 11h57
